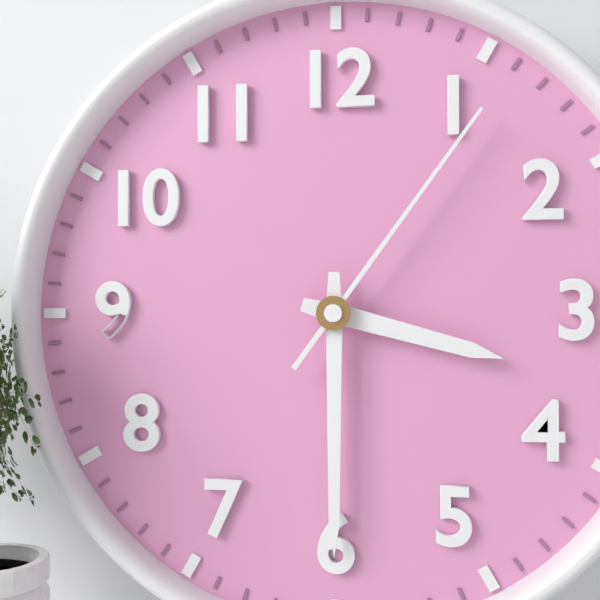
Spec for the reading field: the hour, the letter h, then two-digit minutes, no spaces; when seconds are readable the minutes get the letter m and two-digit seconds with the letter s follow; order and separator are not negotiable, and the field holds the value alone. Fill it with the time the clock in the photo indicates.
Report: 3h30m06s
